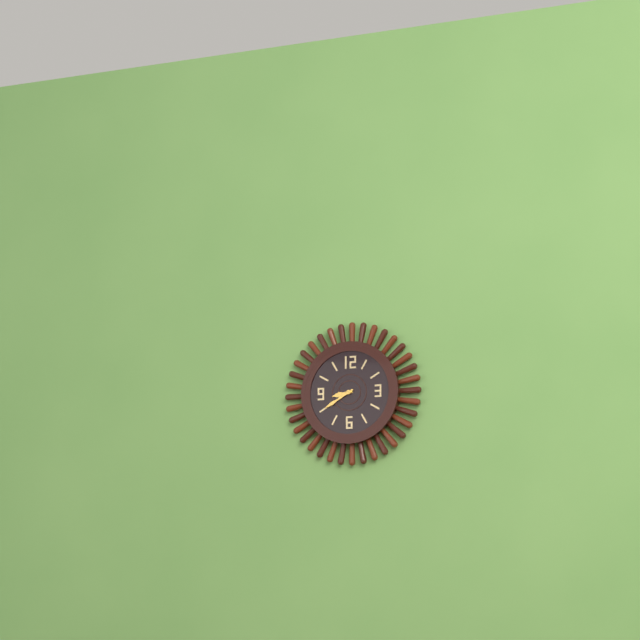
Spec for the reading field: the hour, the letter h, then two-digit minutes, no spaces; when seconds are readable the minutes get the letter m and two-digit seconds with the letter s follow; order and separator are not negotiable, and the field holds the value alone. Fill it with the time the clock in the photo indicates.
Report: 8h40
